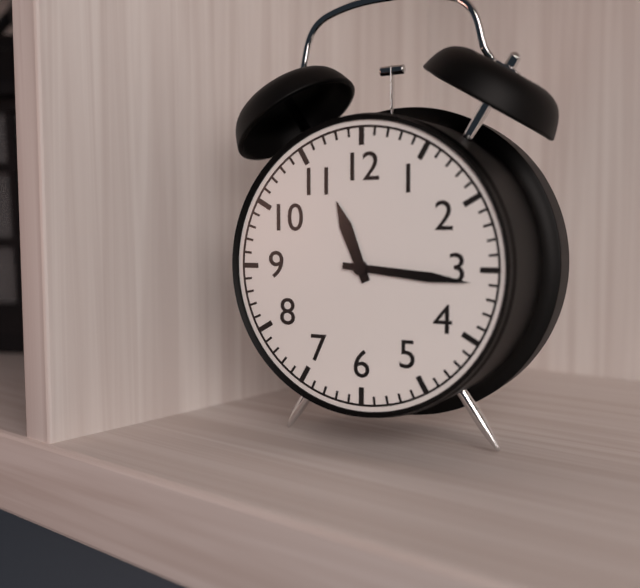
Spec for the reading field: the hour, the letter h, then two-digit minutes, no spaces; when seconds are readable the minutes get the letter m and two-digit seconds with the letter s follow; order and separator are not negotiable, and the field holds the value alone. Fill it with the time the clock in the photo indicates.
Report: 11h16
